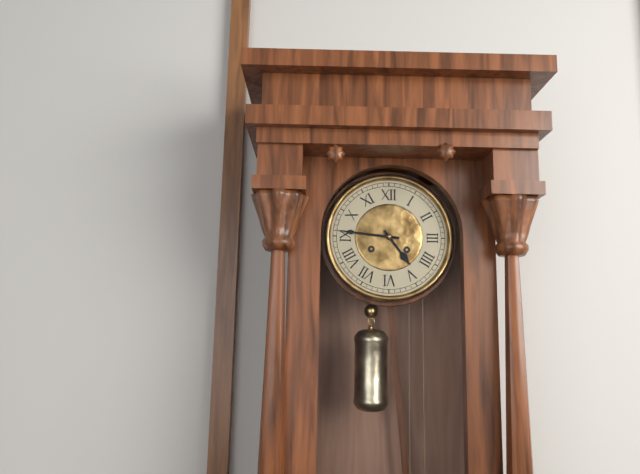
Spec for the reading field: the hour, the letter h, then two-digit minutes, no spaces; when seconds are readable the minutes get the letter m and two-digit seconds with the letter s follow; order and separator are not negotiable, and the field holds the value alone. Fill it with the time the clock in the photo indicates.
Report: 4h46
